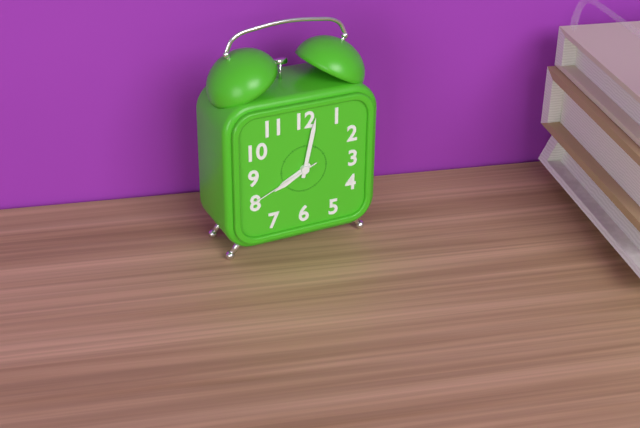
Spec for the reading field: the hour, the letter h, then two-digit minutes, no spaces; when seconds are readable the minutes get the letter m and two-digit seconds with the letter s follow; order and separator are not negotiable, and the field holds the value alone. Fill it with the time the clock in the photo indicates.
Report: 8h02m41s
